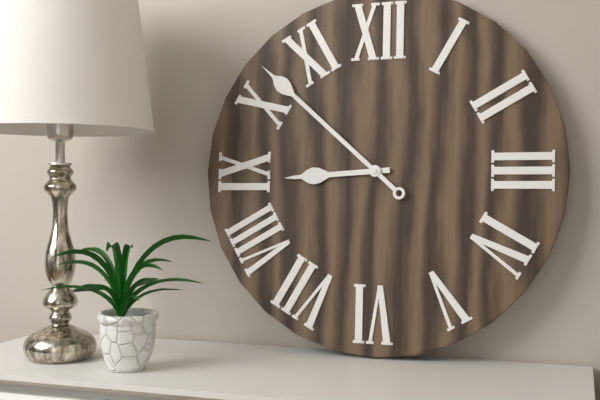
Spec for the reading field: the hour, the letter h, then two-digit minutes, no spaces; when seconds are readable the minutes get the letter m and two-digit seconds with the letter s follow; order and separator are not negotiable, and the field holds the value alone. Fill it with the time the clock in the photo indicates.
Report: 8h52
